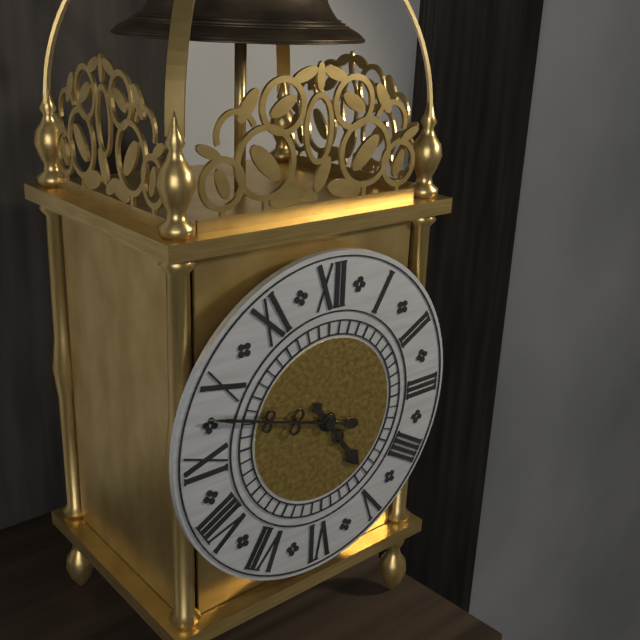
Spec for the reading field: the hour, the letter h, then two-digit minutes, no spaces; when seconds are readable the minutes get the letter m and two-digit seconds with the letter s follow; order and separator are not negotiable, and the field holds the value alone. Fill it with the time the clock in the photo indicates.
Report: 4h48
